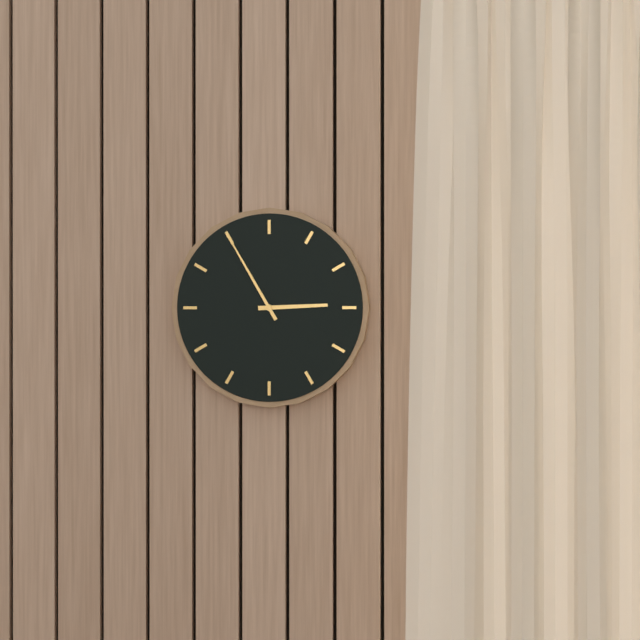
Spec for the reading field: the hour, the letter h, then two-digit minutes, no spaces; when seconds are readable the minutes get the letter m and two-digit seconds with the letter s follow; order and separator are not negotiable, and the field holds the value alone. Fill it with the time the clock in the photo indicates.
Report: 2h55
